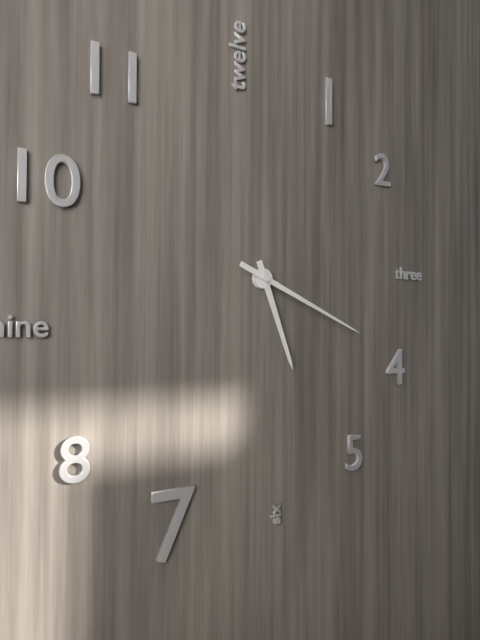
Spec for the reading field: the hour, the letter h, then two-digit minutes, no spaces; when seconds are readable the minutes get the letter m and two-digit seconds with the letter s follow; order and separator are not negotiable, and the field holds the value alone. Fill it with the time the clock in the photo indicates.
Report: 5h19
